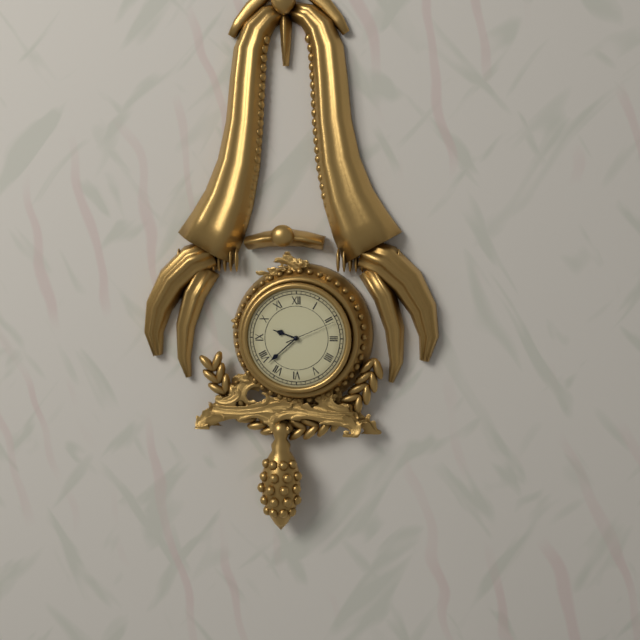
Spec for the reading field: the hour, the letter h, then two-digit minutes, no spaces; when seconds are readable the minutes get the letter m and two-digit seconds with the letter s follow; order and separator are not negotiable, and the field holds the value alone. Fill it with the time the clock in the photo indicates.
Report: 9h38m11s
